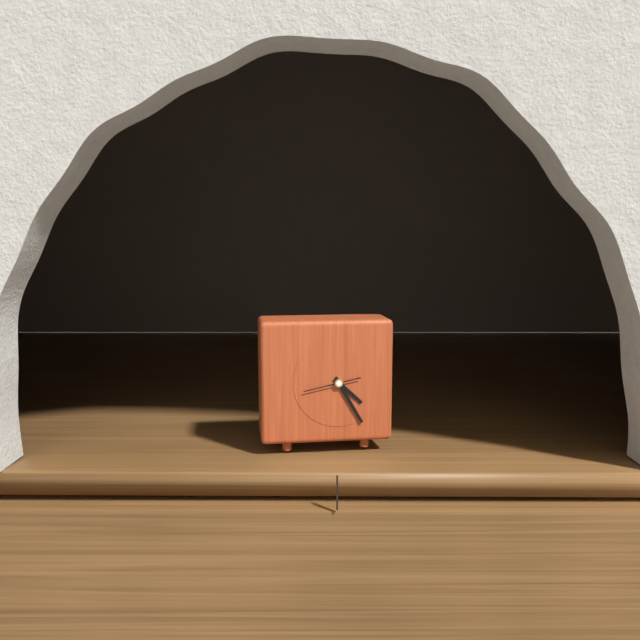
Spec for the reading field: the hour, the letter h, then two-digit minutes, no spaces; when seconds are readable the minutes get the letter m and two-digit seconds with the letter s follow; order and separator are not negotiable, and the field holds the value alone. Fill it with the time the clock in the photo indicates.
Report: 4h25
